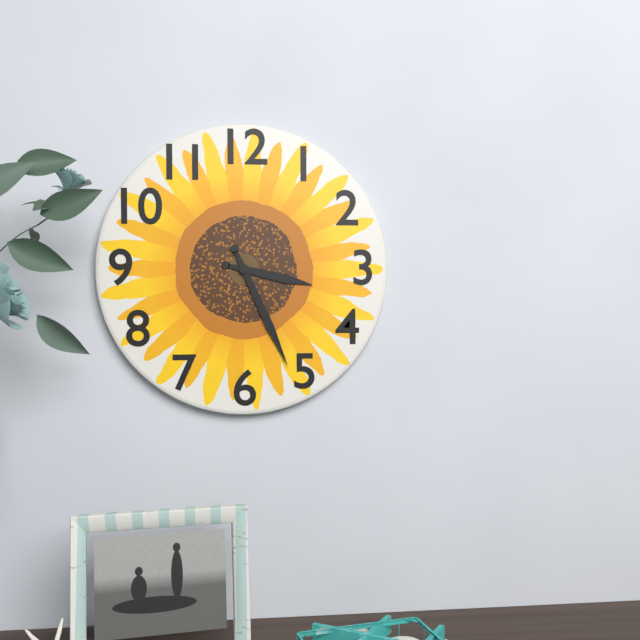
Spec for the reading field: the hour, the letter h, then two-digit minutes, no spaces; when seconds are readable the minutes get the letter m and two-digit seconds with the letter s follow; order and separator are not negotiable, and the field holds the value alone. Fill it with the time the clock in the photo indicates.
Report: 3h26
